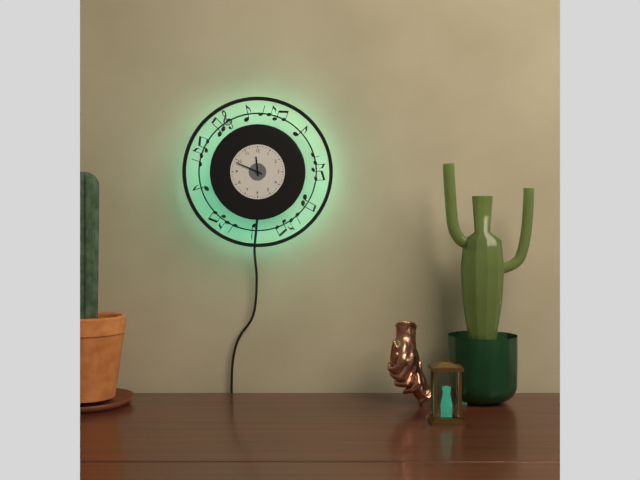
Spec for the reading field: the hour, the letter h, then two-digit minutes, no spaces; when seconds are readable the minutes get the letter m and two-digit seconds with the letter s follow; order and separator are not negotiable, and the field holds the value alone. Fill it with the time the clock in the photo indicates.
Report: 11h49
